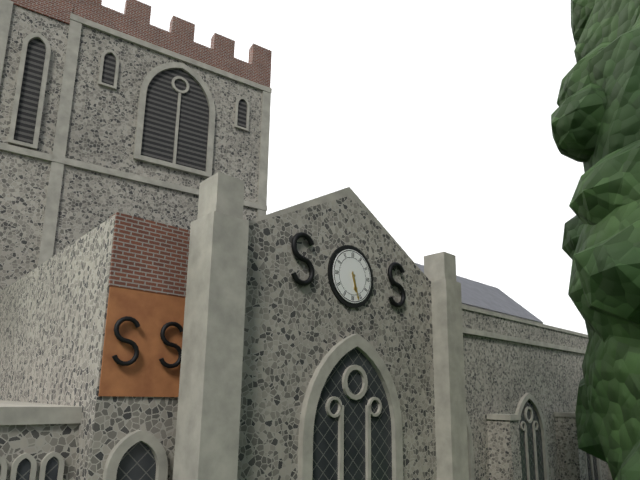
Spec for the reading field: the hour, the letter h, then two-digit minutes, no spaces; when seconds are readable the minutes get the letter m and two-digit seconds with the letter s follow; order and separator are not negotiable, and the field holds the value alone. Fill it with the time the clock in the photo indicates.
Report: 5h27
